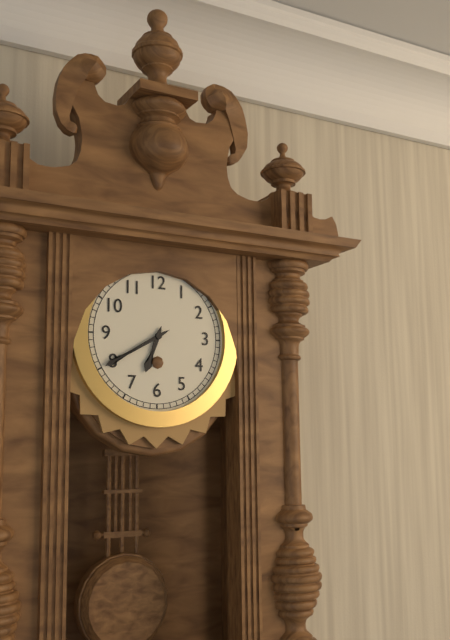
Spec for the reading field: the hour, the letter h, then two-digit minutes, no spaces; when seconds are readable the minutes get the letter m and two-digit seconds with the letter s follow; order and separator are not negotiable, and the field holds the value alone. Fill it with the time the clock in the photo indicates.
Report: 6h40
